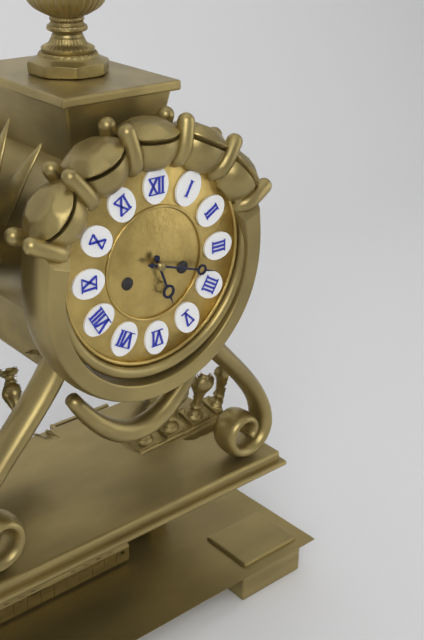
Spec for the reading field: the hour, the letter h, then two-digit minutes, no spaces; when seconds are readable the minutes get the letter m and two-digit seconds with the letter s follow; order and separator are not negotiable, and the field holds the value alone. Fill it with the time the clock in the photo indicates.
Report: 5h18
